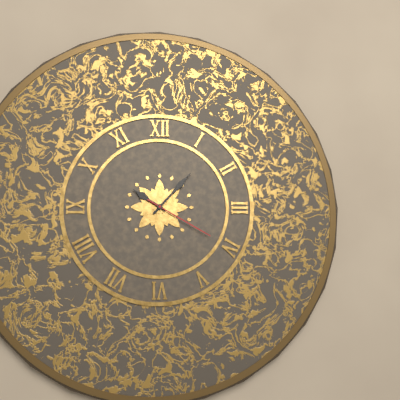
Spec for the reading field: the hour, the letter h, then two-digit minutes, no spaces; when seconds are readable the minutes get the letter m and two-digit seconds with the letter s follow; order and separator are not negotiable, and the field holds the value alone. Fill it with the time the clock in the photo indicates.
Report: 10h07m20s
